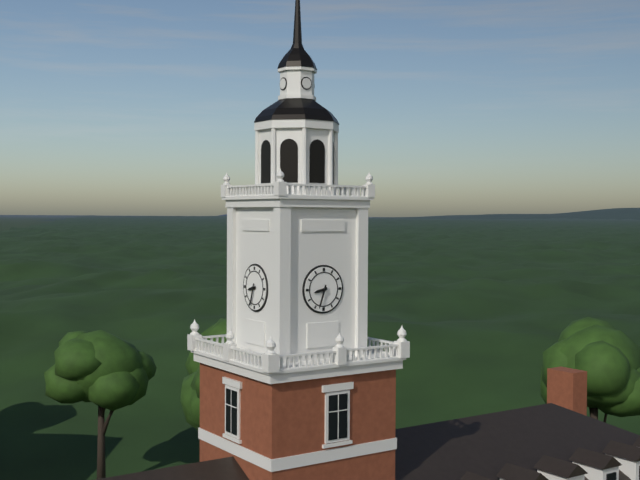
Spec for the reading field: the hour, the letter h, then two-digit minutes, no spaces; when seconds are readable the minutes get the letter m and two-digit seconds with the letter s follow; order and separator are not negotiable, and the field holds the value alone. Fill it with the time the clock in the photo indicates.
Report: 8h33
